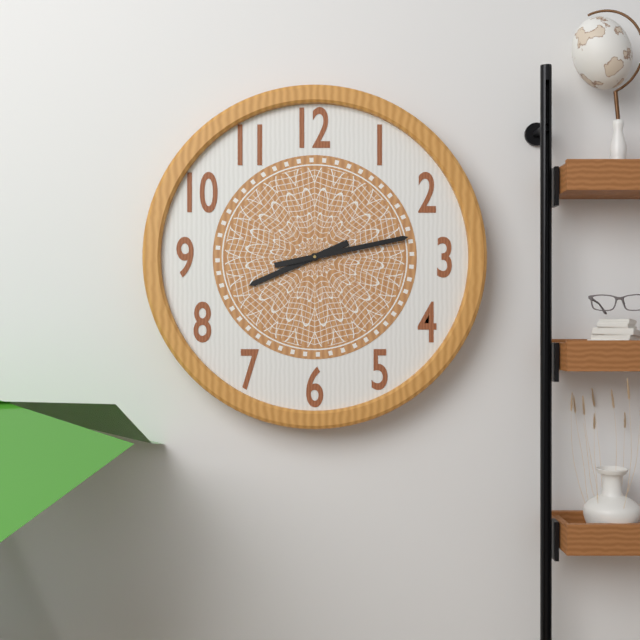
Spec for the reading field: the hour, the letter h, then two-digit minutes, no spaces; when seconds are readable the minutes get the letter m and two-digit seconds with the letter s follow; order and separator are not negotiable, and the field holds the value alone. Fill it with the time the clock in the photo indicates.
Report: 8h13
